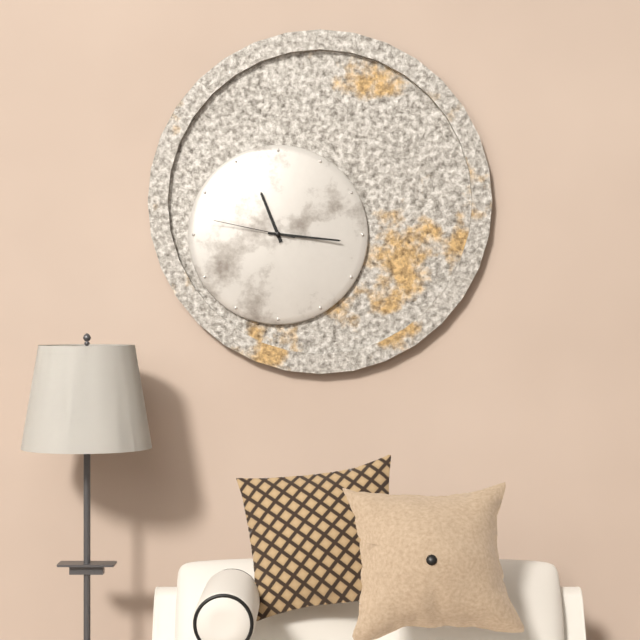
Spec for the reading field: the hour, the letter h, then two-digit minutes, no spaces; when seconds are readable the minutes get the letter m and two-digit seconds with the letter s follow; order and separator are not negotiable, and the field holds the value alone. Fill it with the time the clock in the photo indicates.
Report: 11h16m47s
